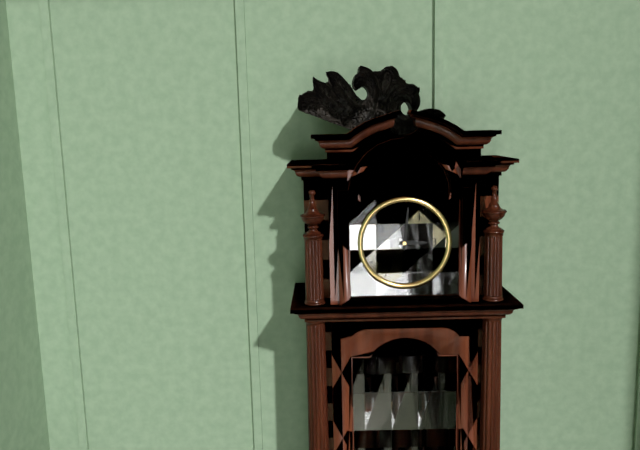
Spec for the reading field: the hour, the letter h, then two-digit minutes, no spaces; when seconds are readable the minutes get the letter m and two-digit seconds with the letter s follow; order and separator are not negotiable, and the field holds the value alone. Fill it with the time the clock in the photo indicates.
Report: 3h01
